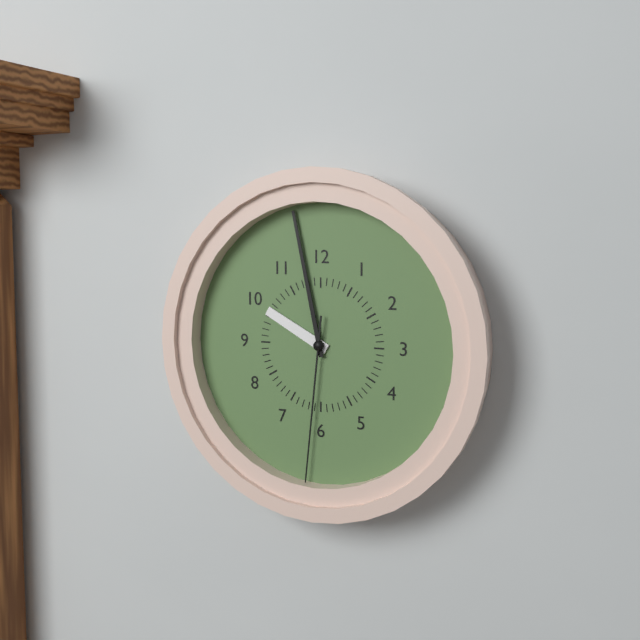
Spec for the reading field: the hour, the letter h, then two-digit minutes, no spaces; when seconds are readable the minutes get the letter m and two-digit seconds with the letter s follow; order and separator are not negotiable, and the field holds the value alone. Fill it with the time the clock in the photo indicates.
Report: 9h58m31s
